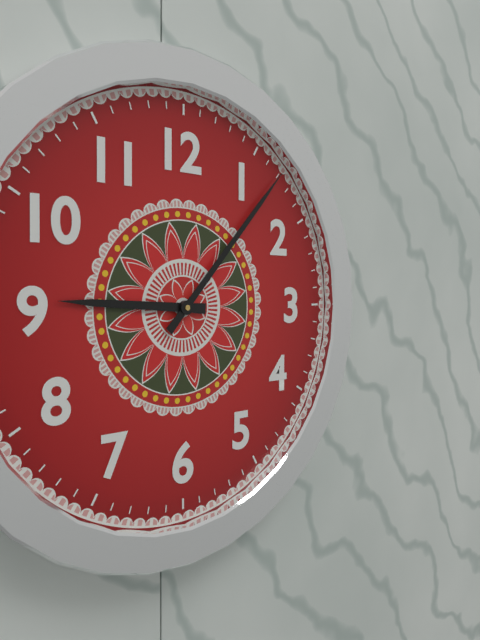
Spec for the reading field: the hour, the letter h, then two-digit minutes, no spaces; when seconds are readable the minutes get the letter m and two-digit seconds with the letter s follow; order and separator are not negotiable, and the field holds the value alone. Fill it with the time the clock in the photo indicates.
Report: 9h07
